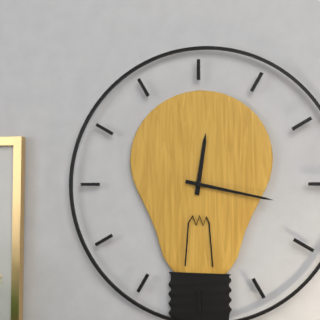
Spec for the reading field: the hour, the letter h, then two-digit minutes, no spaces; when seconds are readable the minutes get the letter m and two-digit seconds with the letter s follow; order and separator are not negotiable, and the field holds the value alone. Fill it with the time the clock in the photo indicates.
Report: 12h17
